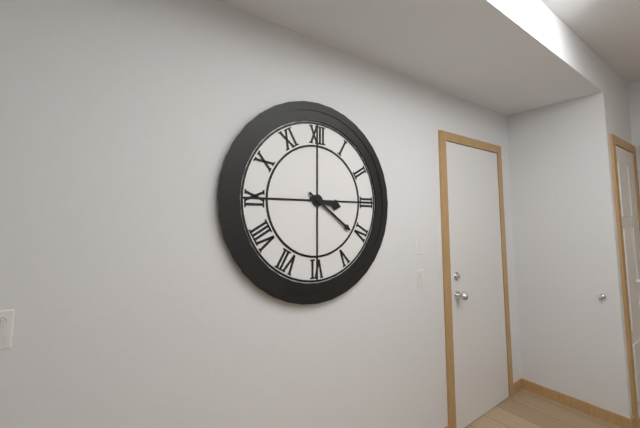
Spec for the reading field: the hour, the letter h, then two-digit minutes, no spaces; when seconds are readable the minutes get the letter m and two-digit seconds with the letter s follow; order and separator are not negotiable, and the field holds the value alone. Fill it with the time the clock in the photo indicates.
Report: 3h21
